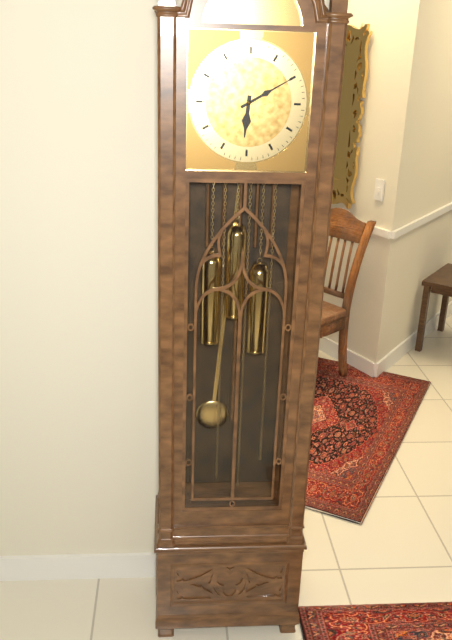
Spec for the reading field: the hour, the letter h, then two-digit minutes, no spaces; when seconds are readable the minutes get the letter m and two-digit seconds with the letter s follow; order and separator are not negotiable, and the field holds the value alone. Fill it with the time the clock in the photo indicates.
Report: 6h10
